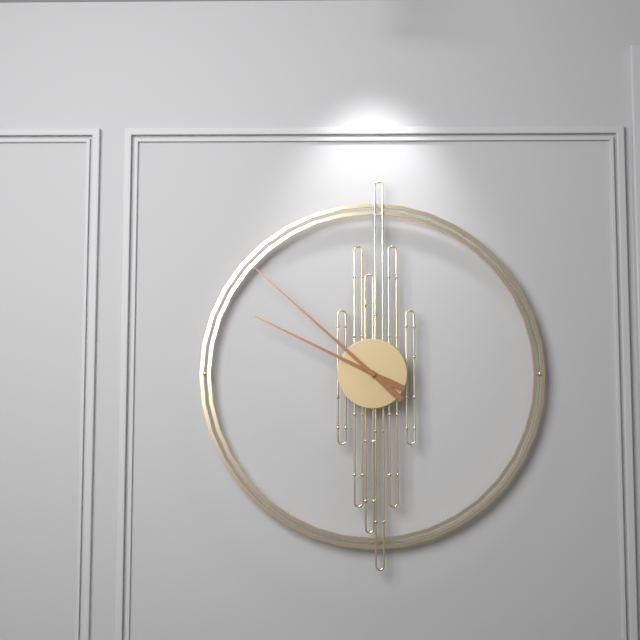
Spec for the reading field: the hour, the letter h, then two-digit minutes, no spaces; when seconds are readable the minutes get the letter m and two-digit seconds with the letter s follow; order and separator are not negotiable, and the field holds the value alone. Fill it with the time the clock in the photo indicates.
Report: 9h52
